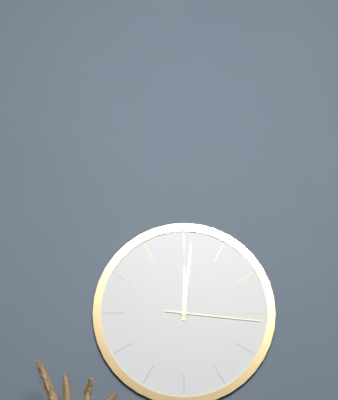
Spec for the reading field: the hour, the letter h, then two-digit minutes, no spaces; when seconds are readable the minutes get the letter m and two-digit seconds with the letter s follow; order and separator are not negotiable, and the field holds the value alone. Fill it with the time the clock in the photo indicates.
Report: 12h01m16s
